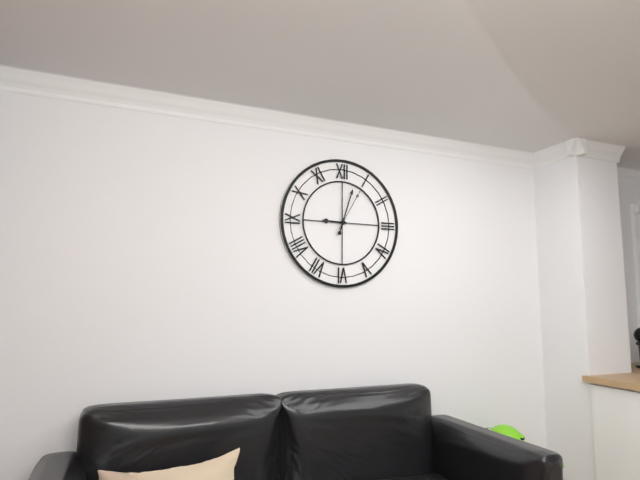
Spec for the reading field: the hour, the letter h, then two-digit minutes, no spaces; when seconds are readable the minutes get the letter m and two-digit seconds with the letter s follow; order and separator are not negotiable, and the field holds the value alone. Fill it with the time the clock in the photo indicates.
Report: 9h03
